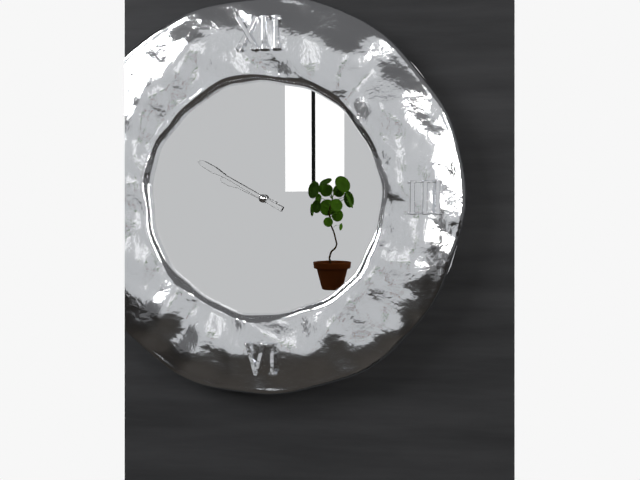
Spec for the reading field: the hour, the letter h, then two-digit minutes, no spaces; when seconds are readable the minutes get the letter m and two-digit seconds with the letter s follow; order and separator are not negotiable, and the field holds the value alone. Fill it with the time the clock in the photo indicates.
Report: 9h50
